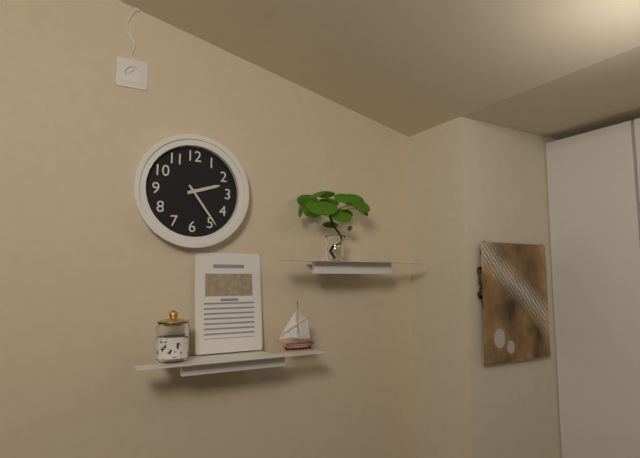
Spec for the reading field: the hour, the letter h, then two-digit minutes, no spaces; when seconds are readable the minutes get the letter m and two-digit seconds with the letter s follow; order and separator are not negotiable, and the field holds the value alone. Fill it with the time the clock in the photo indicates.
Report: 2h24
